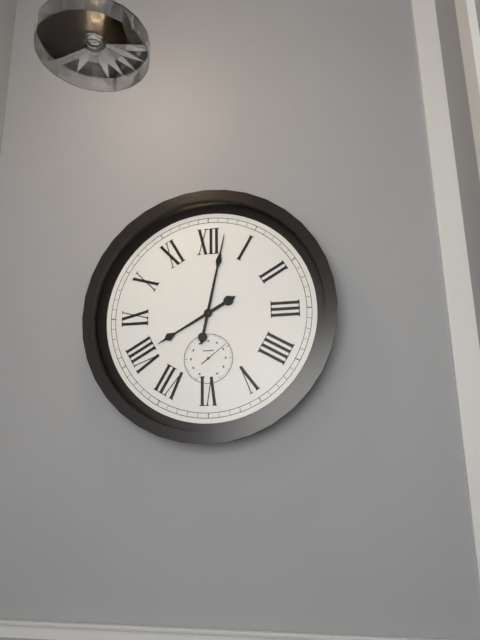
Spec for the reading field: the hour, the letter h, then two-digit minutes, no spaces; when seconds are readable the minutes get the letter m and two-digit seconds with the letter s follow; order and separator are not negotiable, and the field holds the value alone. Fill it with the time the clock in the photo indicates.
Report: 8h02
